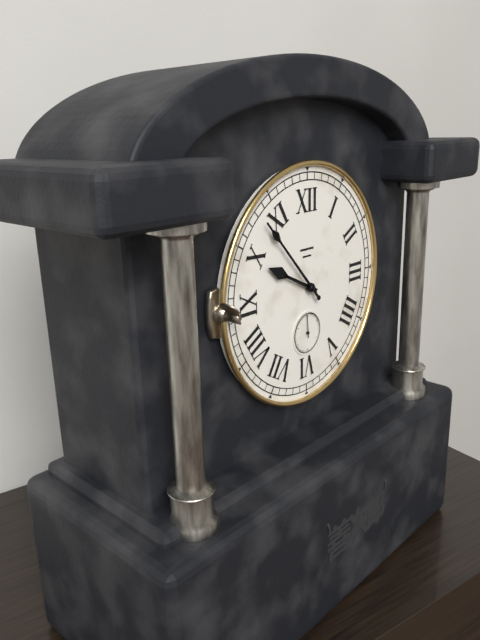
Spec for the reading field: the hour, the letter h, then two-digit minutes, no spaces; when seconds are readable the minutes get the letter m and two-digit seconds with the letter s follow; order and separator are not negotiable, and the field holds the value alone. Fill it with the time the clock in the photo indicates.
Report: 9h53
